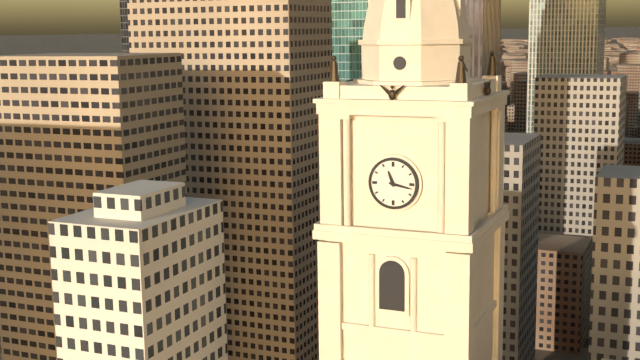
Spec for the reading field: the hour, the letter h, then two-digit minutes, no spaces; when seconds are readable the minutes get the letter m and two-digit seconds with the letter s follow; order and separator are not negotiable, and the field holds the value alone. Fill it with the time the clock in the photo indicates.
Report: 11h17
